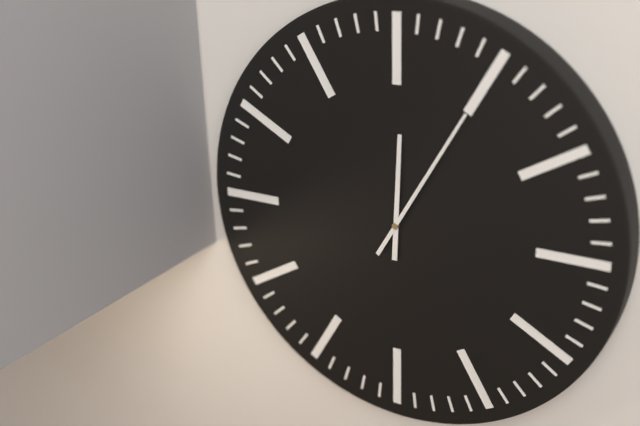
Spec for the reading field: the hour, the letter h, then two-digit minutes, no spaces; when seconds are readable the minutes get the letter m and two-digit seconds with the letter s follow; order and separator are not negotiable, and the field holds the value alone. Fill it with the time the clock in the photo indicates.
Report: 12h05
